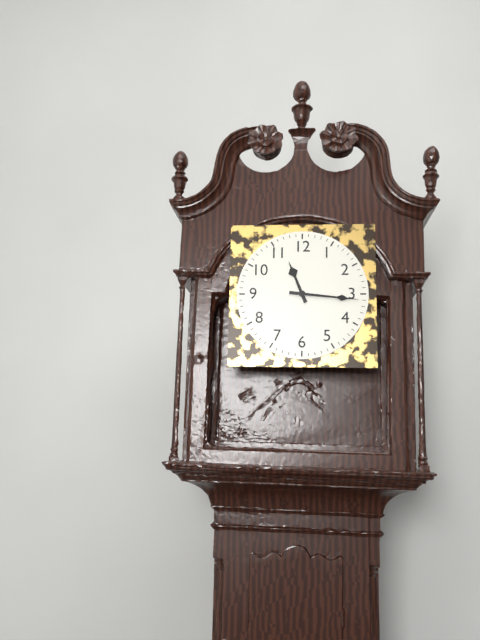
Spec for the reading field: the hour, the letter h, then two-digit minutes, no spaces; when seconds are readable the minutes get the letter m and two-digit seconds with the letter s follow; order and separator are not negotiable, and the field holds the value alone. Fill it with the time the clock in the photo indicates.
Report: 11h16
